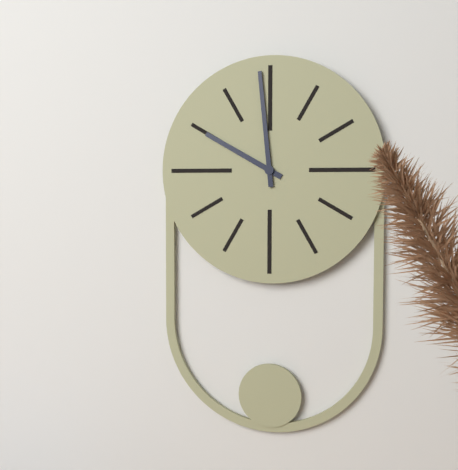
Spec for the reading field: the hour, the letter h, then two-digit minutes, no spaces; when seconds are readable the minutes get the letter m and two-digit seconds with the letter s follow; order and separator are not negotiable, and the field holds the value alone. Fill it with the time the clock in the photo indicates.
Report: 9h59
